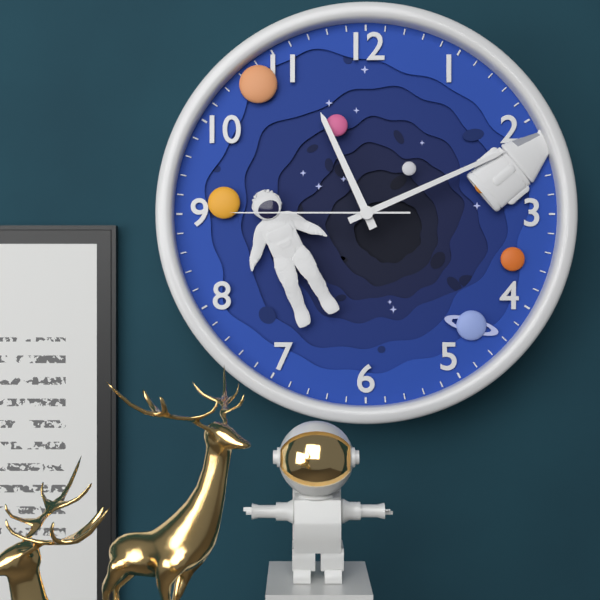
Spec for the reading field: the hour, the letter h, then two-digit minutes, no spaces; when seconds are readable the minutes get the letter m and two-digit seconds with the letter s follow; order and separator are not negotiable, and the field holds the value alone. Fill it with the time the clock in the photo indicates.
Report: 11h11m45s
